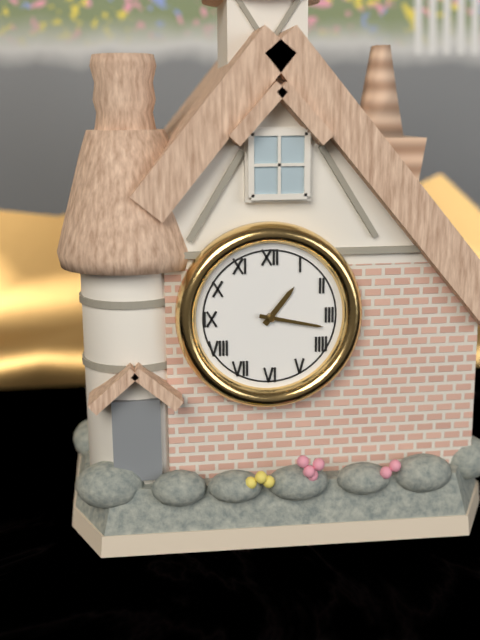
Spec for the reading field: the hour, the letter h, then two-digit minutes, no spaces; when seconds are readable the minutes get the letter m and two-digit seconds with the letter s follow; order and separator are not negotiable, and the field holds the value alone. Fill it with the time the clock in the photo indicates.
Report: 1h17
